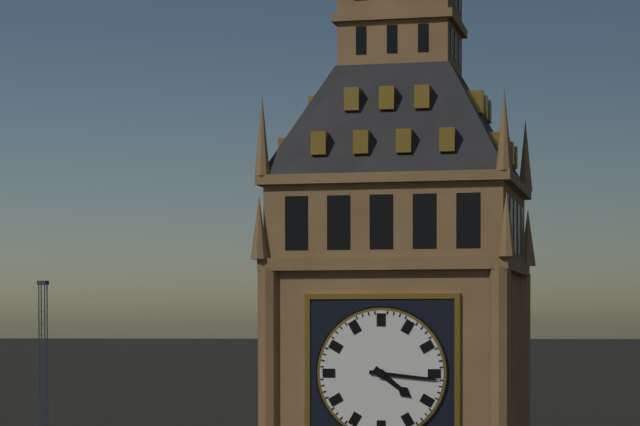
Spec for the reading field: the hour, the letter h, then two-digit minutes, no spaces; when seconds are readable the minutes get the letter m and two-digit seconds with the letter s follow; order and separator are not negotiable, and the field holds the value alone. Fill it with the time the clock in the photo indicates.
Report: 4h16
